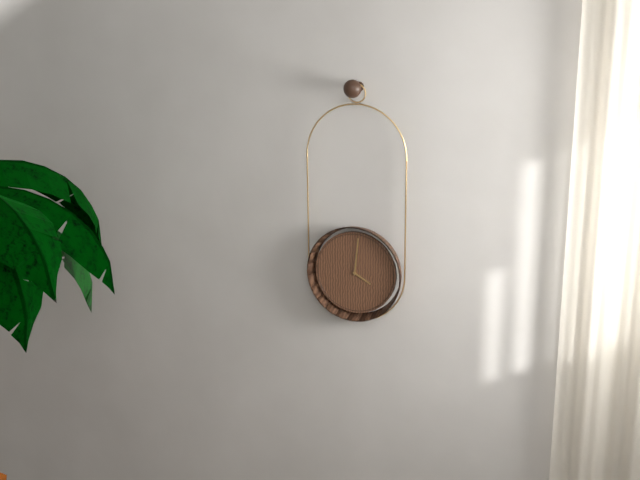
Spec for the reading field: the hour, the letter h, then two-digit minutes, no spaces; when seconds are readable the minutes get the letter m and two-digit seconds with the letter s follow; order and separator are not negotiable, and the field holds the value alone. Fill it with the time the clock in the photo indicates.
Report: 4h01
